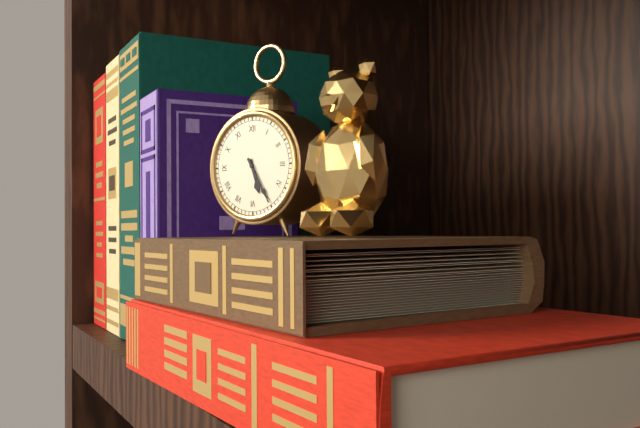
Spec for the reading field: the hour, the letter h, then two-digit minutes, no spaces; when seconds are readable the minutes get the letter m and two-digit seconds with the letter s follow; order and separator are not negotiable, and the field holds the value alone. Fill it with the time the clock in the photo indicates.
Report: 5h25
